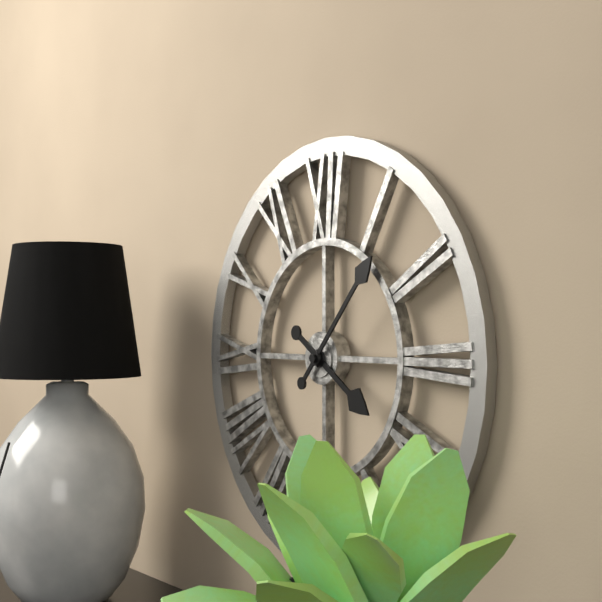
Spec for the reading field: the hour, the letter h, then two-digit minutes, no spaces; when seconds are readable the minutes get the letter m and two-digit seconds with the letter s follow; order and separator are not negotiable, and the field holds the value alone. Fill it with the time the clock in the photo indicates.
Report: 4h07
